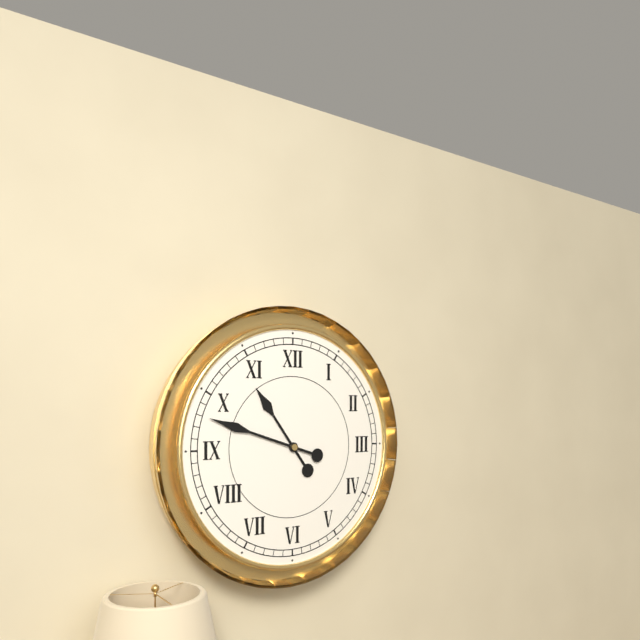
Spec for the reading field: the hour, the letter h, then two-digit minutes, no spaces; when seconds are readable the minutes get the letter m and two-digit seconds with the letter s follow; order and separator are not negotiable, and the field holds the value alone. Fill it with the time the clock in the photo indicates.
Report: 10h48
